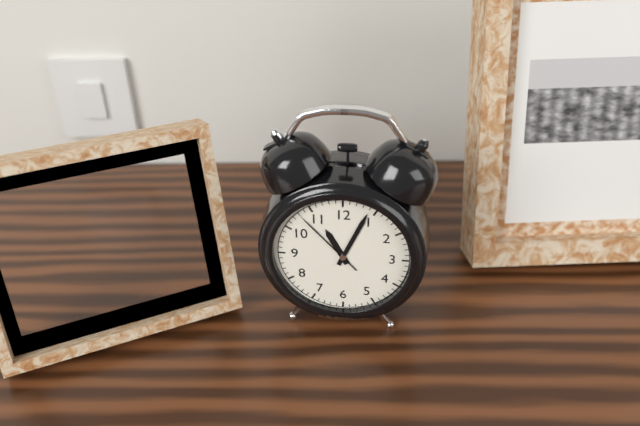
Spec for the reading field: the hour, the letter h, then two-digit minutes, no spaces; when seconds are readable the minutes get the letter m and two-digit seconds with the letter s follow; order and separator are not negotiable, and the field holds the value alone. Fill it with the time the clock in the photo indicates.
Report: 11h04m53s
